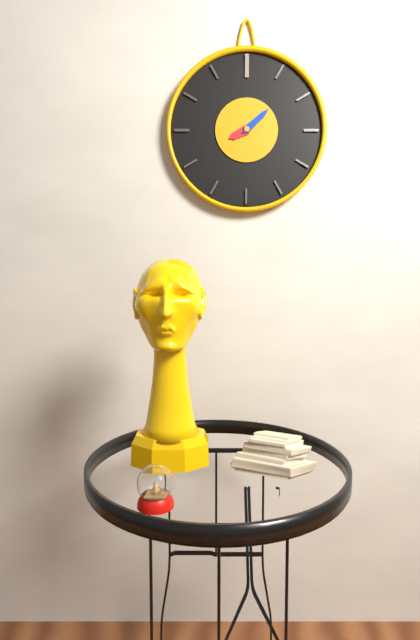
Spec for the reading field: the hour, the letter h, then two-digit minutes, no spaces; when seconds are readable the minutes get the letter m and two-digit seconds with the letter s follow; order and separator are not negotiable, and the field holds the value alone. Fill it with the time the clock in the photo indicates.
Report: 8h08
